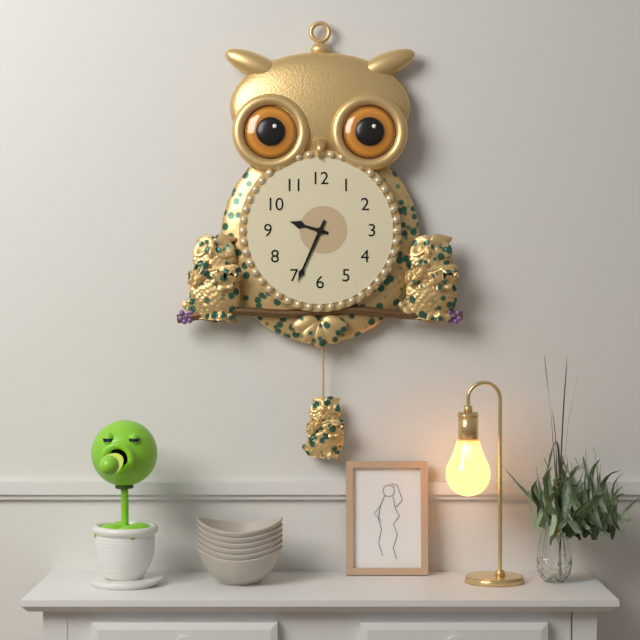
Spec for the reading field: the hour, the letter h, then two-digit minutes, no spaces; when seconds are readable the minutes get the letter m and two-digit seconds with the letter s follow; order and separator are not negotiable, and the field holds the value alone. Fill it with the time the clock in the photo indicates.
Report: 9h34
